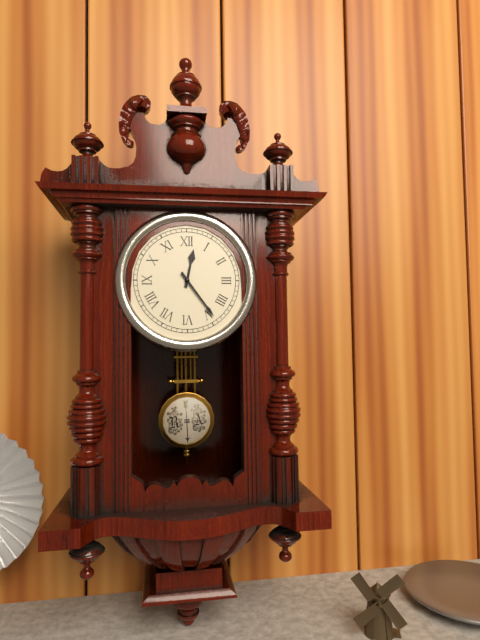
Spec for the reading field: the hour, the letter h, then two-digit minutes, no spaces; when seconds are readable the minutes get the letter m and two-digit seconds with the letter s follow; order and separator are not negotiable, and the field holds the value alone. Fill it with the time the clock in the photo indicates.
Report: 12h24
